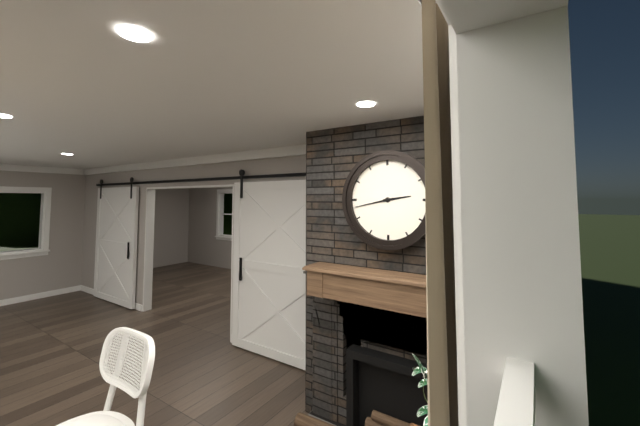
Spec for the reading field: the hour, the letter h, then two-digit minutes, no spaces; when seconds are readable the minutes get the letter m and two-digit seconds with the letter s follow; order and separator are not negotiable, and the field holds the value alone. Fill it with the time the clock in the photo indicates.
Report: 2h43
